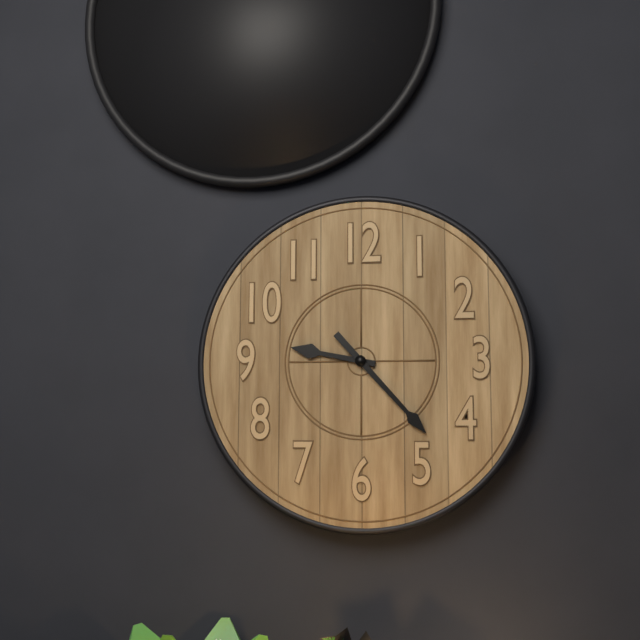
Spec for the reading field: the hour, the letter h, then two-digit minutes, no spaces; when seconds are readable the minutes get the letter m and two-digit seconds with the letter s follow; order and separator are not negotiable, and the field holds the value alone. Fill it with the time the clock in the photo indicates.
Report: 9h23
